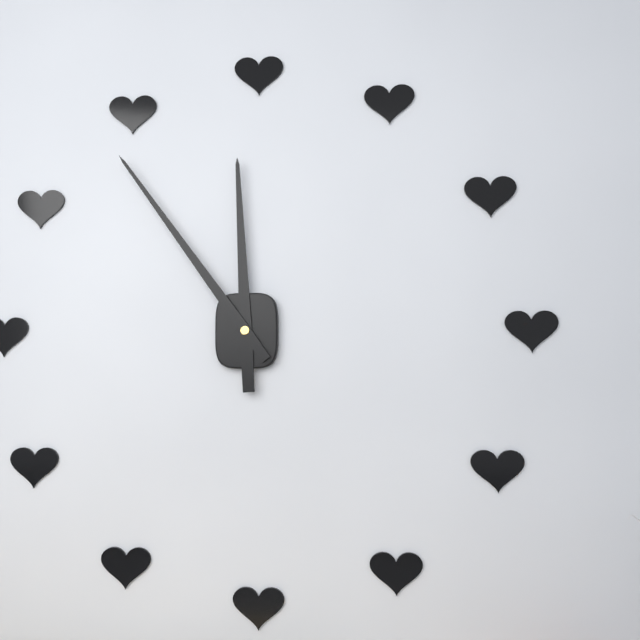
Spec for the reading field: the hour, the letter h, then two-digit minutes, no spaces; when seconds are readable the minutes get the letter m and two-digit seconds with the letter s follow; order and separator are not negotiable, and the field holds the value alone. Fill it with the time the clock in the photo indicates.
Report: 11h54
